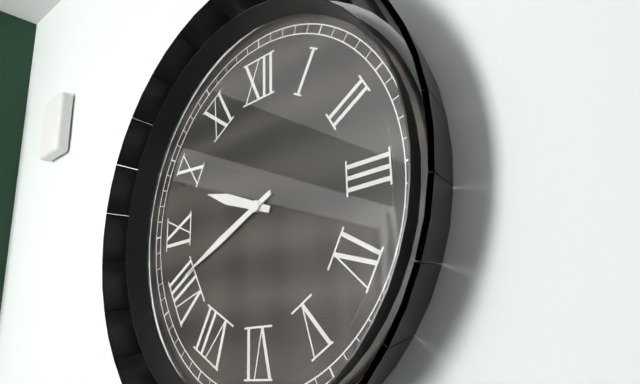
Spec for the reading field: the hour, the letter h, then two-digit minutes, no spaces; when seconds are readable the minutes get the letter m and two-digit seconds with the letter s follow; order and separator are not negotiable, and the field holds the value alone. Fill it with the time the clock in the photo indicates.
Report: 9h41
